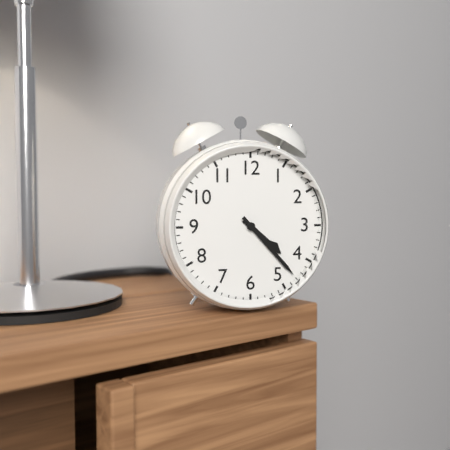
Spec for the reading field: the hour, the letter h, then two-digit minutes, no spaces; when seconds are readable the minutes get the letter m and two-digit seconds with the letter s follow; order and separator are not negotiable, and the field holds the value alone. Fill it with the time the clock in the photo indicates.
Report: 4h23
